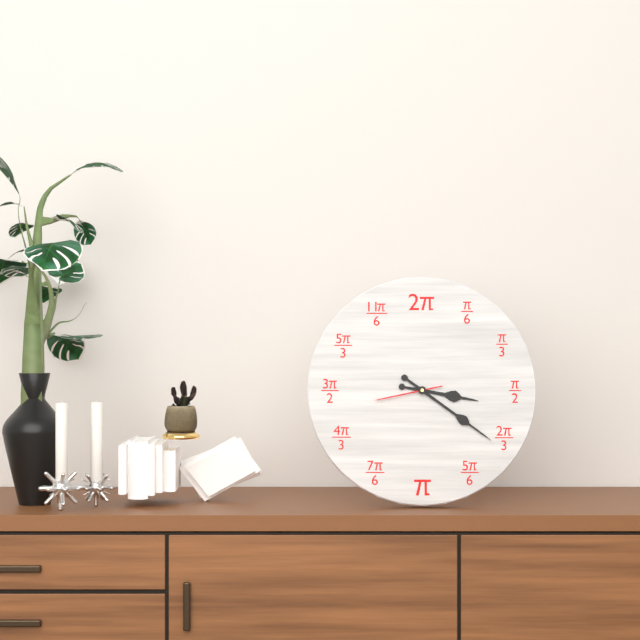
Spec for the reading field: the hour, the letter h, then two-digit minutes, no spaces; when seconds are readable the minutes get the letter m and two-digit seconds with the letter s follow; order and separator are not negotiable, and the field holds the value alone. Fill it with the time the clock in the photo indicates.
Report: 3h21m43s
